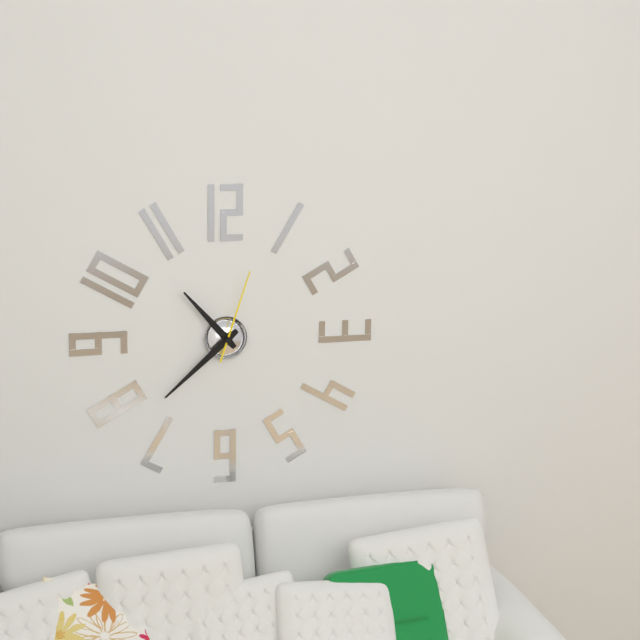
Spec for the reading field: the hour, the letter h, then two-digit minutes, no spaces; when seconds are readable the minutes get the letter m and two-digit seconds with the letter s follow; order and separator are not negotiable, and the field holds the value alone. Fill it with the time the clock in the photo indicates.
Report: 10h38m03s
